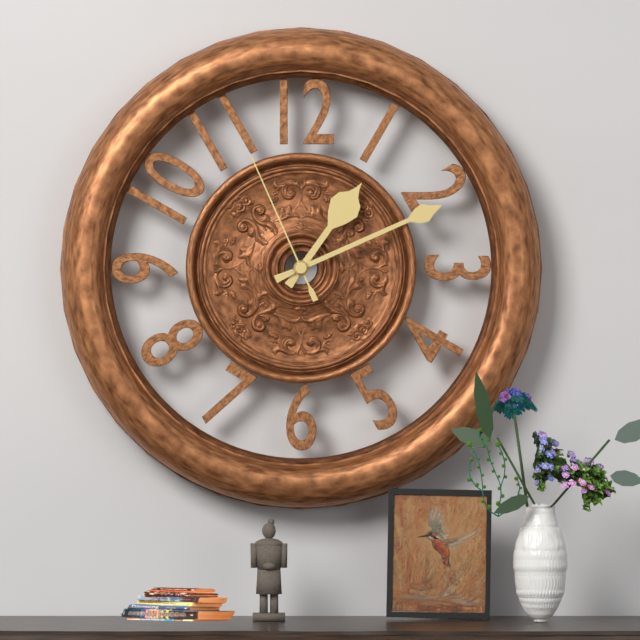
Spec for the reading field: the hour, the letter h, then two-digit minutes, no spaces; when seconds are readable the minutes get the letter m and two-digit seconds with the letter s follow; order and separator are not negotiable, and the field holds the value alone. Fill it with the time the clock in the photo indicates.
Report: 1h11m56s
